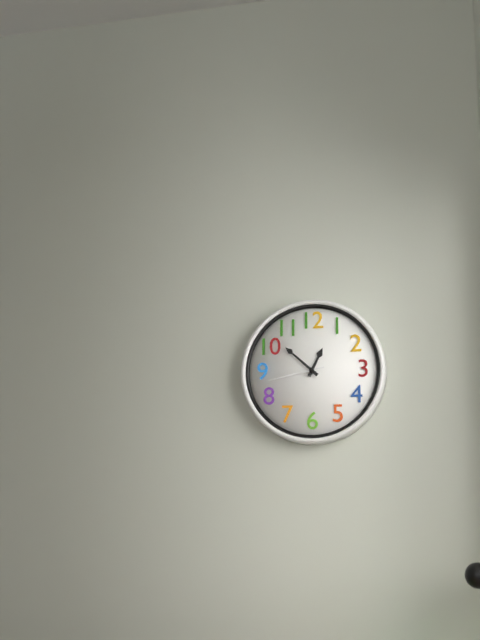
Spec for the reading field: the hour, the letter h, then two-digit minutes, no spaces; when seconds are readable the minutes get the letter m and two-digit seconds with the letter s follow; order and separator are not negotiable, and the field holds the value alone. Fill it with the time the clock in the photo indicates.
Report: 12h52m43s
